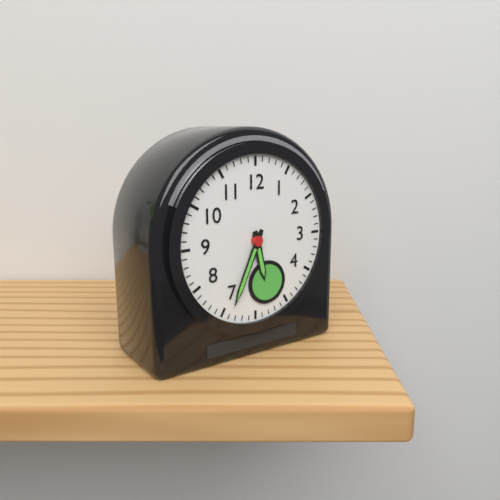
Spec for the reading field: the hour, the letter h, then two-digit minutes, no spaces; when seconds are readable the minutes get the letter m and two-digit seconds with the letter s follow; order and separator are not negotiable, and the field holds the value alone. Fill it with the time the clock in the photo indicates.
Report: 5h34
